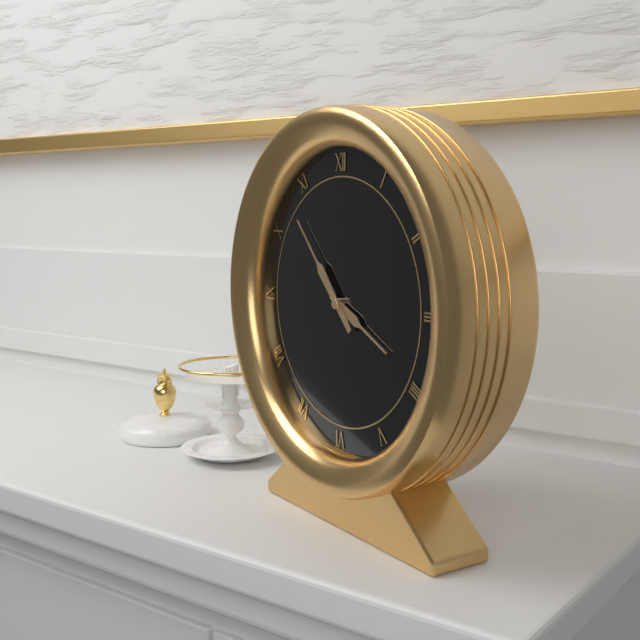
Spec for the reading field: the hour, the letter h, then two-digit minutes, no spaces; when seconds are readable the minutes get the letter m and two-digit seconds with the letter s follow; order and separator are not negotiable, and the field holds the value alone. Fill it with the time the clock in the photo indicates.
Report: 3h53
